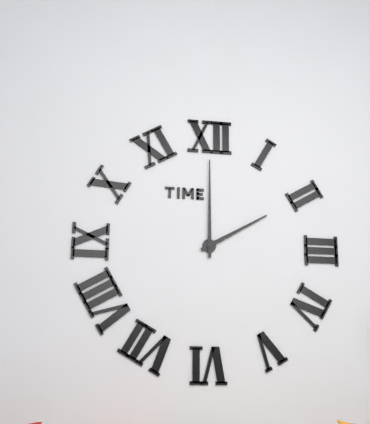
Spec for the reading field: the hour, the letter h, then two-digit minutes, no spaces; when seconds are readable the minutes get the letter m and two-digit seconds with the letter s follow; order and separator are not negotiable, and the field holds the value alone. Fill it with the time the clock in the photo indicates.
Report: 2h00
